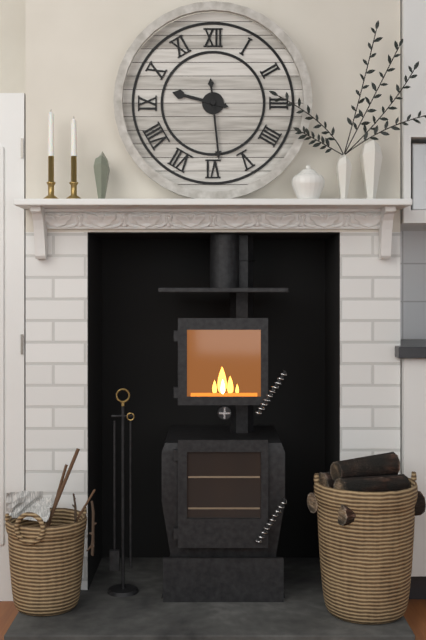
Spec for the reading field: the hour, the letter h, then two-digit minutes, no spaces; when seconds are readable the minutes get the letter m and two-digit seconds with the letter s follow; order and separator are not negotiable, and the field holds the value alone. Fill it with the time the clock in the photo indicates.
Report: 9h29
